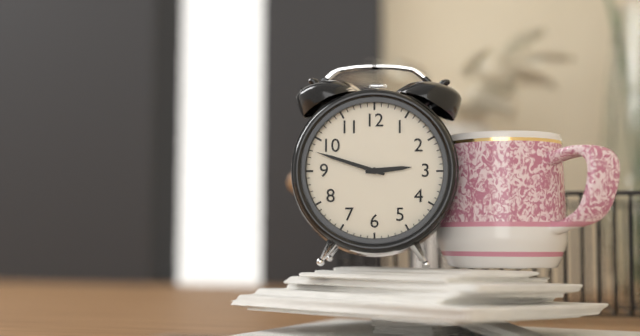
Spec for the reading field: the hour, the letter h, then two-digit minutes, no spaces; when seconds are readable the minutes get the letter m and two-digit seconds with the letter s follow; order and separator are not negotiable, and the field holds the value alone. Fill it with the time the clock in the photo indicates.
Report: 2h48
